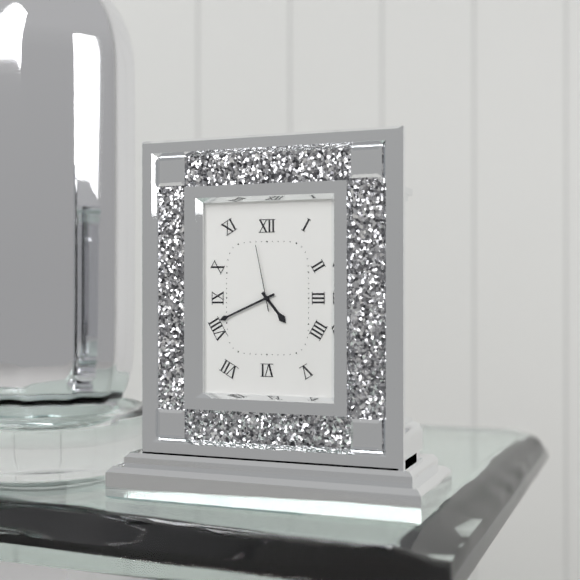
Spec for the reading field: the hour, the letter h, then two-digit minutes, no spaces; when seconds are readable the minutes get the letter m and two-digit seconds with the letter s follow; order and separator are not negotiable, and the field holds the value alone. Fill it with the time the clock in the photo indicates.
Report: 4h41m58s
